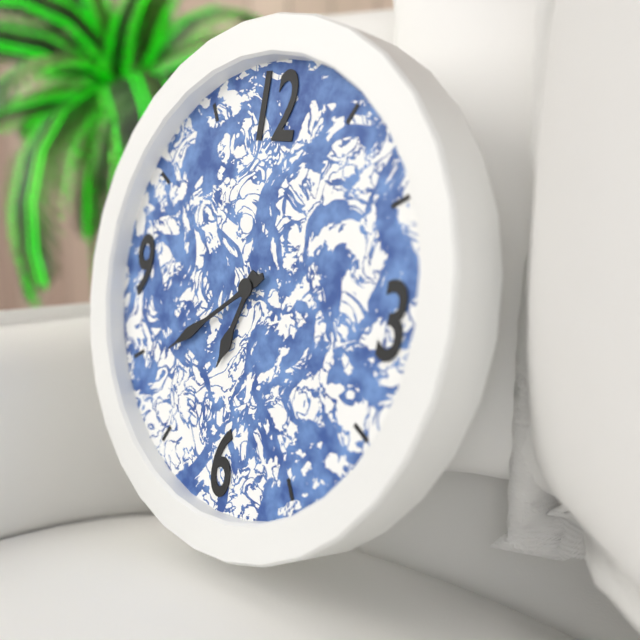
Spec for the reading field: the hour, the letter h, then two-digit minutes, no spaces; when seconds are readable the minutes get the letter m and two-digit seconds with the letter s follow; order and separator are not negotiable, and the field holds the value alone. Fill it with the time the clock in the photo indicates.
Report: 6h39
